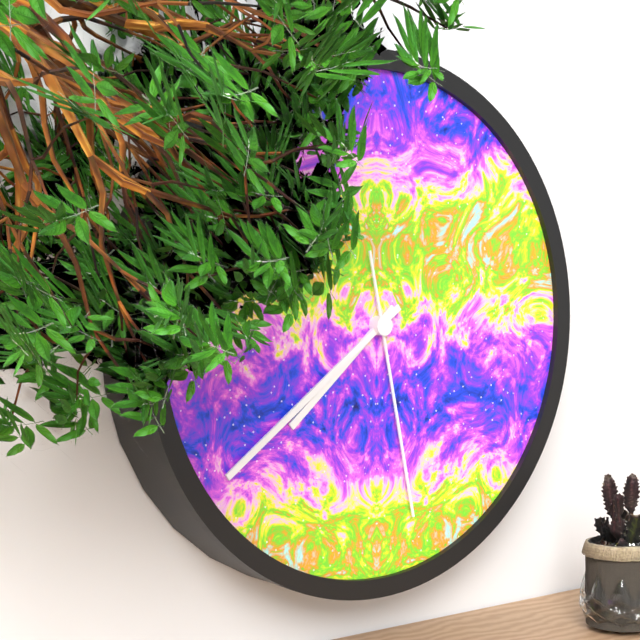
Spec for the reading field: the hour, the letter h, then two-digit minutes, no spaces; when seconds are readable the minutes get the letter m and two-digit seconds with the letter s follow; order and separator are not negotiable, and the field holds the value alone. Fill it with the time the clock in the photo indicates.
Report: 7h39m28s
